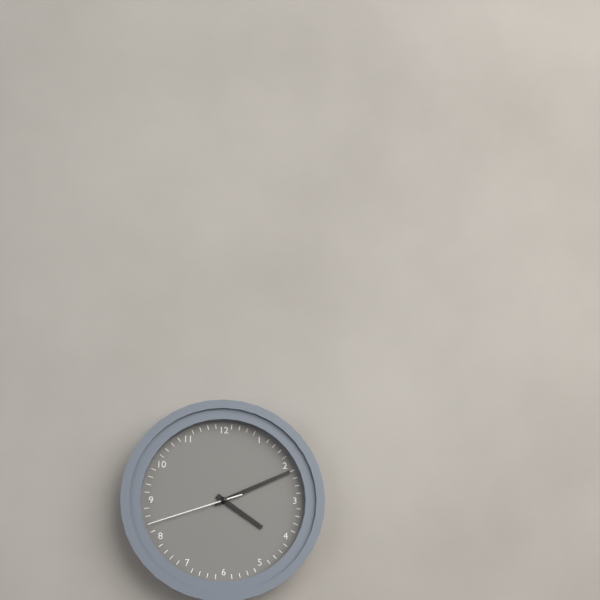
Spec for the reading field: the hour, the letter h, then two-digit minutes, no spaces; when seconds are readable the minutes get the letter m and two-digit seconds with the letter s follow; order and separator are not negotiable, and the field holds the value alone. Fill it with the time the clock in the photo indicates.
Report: 4h11m42s
